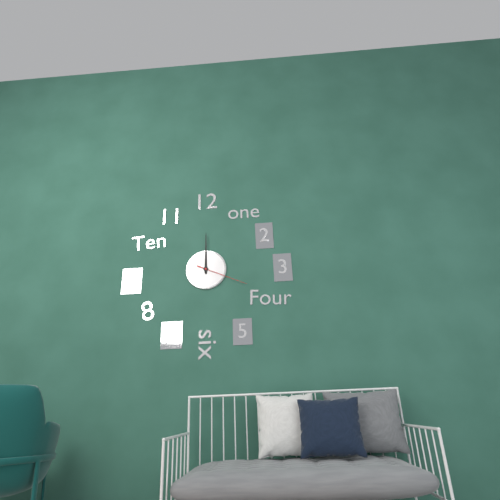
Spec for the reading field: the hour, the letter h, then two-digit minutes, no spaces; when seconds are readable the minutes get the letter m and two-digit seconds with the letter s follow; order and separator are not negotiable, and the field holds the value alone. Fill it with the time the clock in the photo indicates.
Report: 12h00m19s
